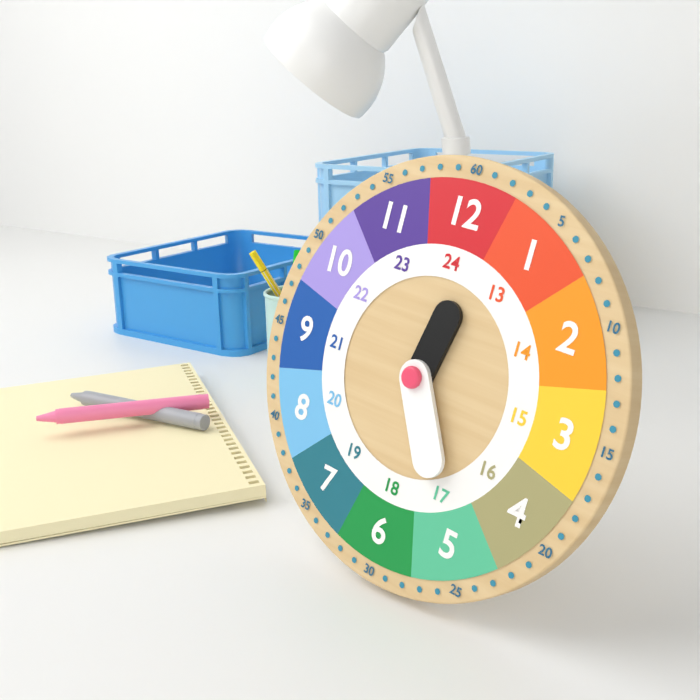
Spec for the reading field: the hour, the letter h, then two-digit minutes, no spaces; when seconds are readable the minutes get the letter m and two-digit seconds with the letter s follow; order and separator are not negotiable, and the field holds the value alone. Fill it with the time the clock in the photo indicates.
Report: 12h25
